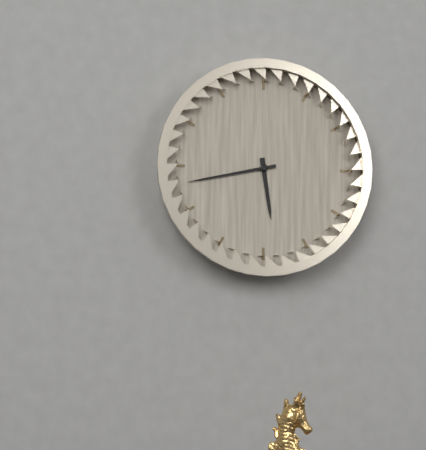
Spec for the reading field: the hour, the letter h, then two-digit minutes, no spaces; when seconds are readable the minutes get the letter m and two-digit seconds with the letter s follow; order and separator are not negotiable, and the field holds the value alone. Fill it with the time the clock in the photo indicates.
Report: 5h43
